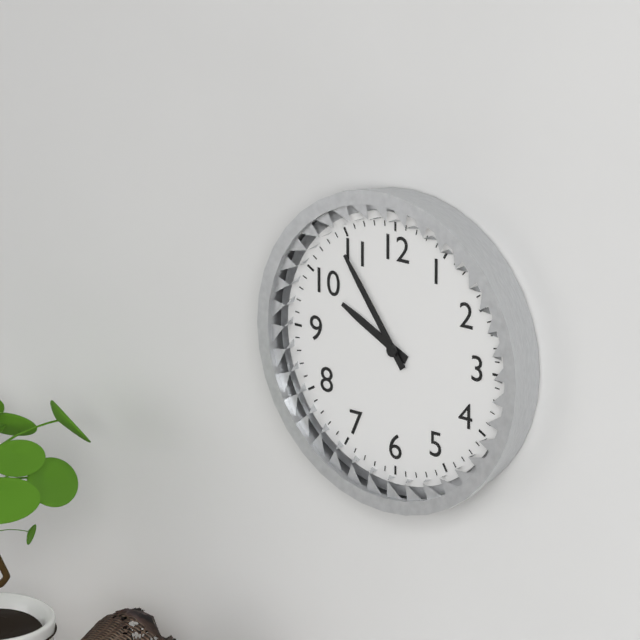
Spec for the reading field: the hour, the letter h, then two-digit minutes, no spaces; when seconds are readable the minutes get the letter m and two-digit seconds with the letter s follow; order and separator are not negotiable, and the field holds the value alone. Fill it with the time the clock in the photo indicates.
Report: 9h54
